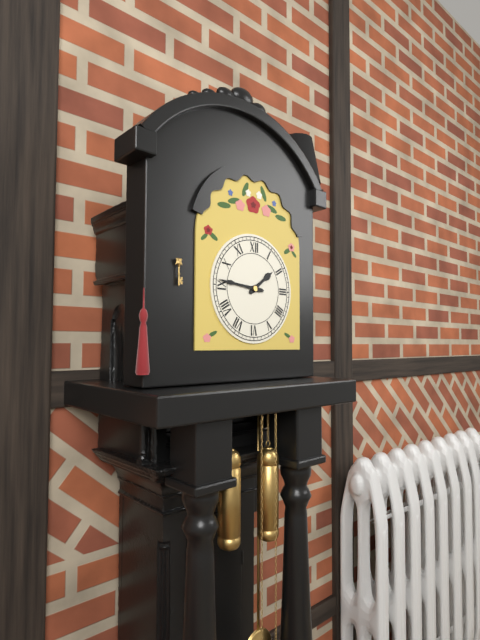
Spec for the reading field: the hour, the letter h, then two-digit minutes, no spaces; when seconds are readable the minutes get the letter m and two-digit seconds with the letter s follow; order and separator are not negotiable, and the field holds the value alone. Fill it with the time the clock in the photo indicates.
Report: 1h46
